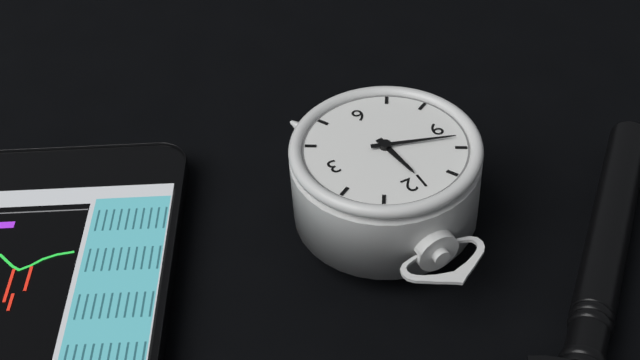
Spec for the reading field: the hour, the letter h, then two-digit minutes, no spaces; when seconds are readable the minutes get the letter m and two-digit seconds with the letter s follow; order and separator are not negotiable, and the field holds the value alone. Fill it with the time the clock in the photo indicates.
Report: 11h48
